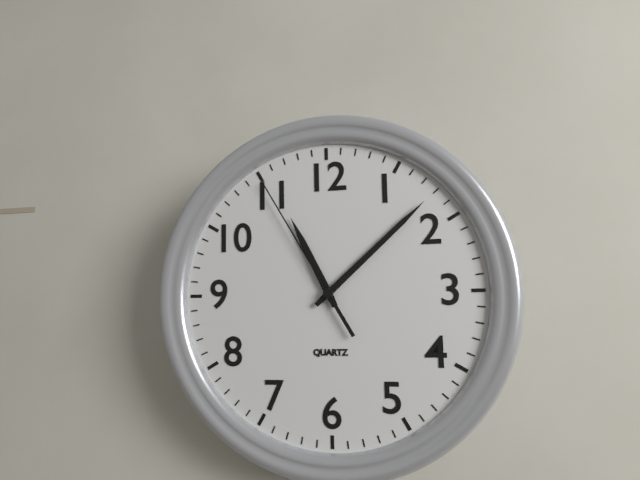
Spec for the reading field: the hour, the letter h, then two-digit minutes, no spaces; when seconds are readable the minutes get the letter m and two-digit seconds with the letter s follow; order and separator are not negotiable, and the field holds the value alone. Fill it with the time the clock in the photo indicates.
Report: 11h08m55s
